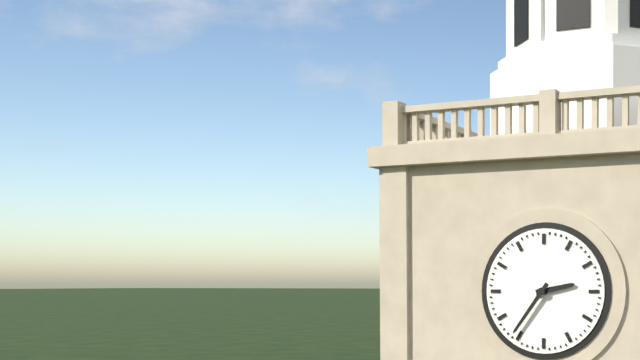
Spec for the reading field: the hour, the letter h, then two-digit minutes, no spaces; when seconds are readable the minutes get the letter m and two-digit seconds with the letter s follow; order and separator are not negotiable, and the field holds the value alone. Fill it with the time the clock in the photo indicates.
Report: 2h36
